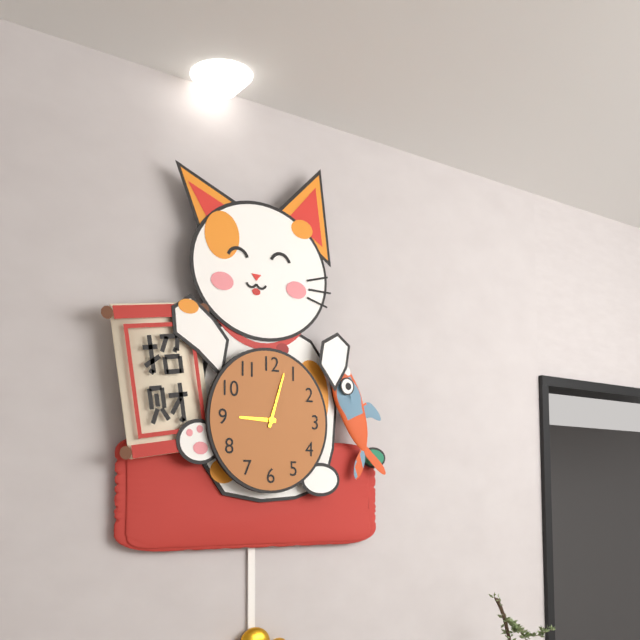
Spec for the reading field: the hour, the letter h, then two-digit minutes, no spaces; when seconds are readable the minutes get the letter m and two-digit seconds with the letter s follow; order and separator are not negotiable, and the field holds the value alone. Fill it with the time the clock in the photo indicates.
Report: 9h03
